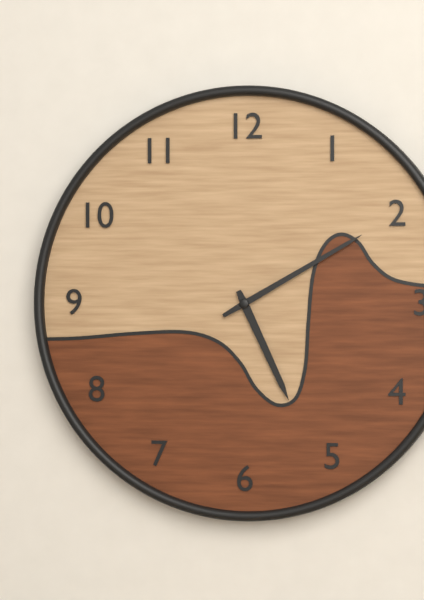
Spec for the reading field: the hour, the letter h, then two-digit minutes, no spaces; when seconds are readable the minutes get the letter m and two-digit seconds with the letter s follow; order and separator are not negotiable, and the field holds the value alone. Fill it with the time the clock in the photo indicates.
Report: 5h10
